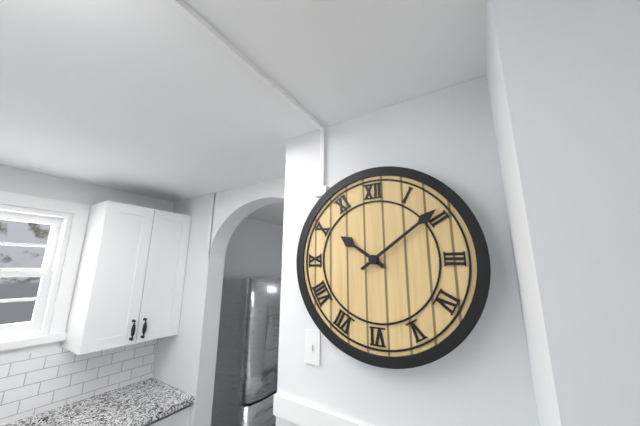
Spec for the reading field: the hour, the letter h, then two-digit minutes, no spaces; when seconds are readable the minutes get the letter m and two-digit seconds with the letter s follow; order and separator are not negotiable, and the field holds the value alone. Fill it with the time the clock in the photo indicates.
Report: 10h09
